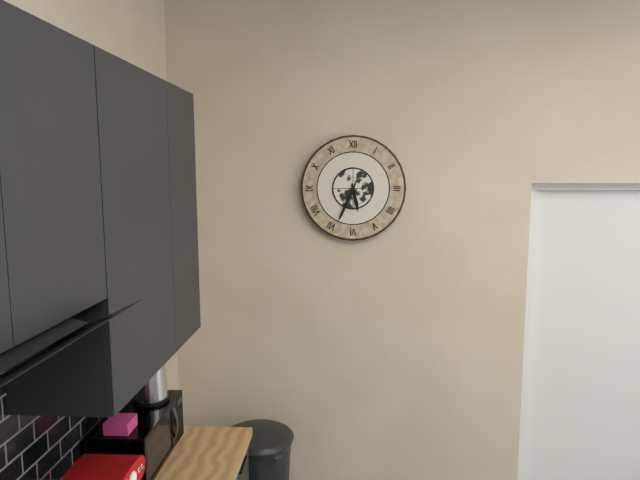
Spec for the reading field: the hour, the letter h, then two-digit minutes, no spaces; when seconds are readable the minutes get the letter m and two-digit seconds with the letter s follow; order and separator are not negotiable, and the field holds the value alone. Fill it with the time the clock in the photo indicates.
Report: 5h34
